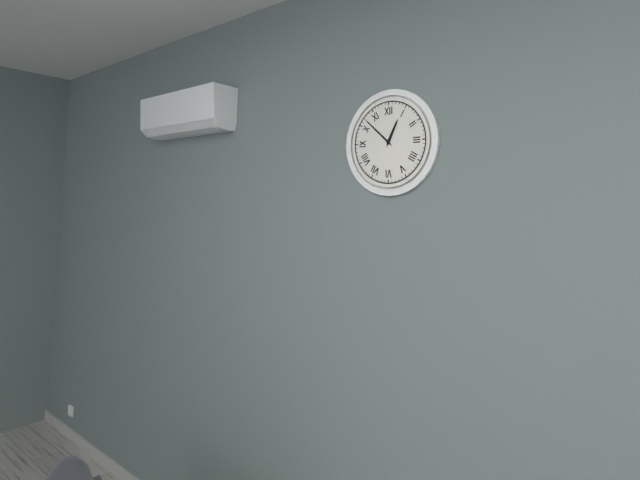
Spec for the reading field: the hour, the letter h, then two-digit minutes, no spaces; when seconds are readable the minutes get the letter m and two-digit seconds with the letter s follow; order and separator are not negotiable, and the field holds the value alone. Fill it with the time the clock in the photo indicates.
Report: 12h52
